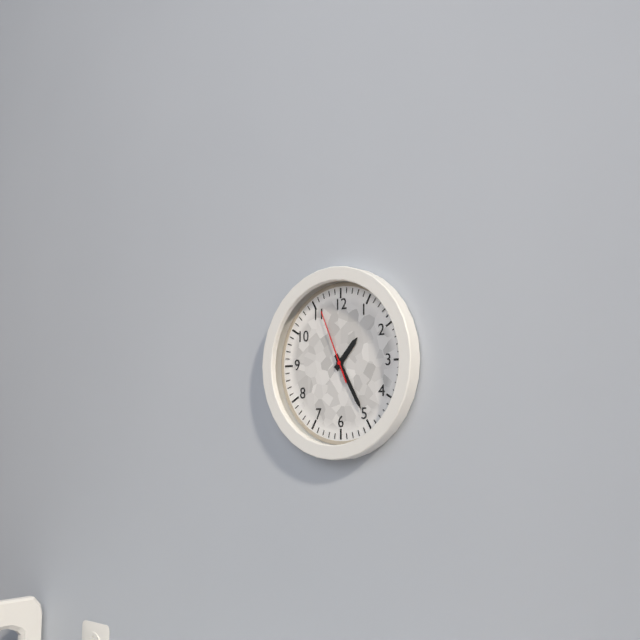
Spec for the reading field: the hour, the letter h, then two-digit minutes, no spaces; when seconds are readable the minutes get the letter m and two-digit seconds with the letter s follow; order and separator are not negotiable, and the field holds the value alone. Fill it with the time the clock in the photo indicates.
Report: 1h25m56s
